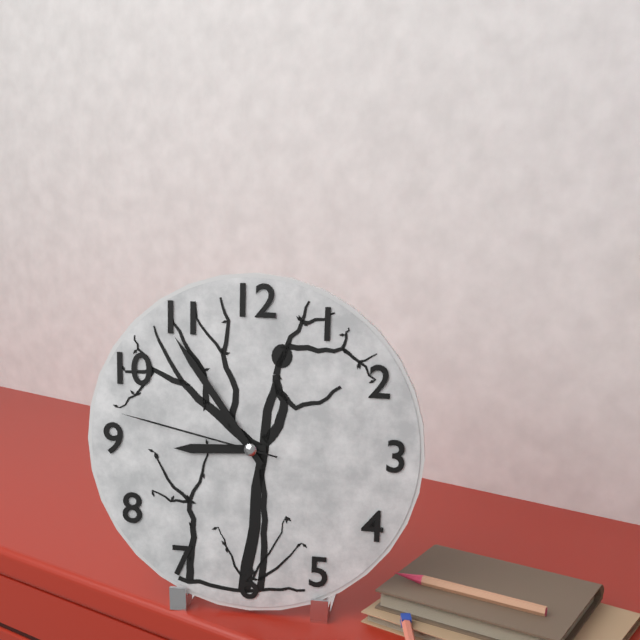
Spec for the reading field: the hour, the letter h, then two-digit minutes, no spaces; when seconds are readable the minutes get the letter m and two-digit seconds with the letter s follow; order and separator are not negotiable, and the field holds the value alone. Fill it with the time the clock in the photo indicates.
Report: 8h54m47s
